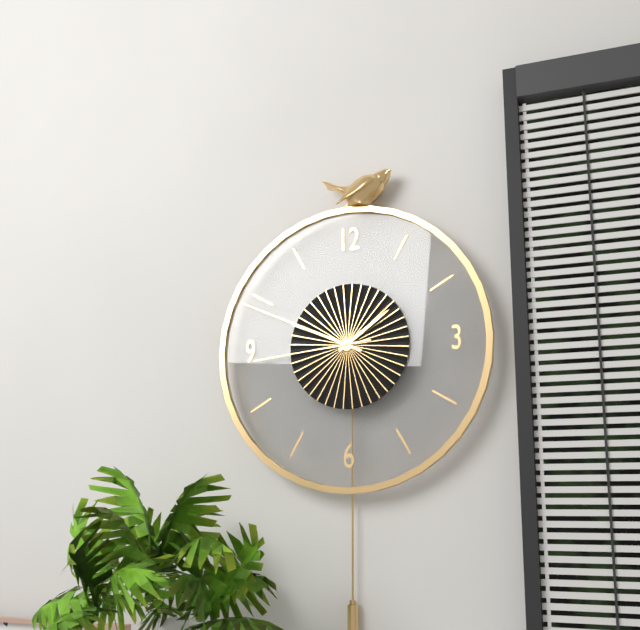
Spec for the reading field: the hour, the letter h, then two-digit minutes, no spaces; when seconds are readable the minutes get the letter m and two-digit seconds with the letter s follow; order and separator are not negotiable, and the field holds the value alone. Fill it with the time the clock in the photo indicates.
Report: 1h49m44s
